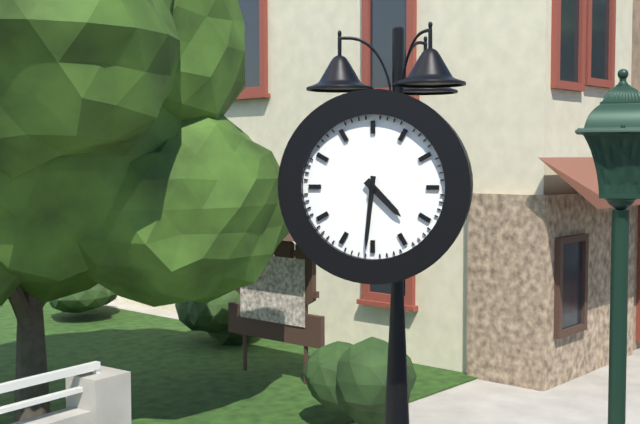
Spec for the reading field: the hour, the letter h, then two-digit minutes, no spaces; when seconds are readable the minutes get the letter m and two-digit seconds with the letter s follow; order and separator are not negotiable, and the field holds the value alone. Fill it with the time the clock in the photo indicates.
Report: 4h31
